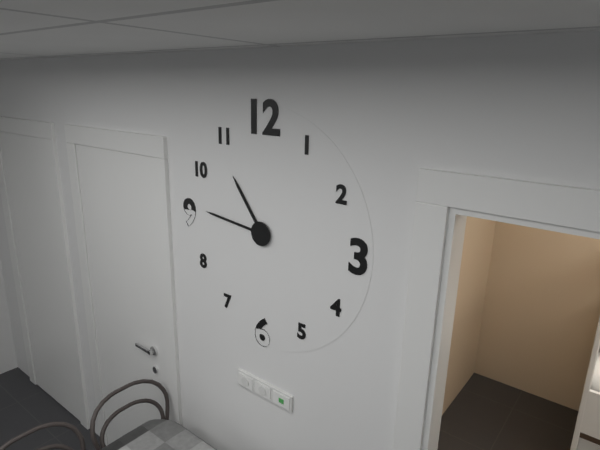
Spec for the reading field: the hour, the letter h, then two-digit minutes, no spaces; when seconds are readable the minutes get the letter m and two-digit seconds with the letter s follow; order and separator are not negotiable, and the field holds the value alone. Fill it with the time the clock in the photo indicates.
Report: 10h46
